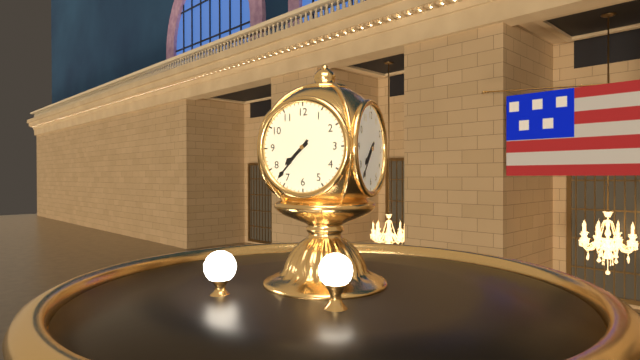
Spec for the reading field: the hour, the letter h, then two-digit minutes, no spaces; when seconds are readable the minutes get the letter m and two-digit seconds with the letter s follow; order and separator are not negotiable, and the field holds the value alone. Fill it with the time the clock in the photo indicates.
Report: 7h37
